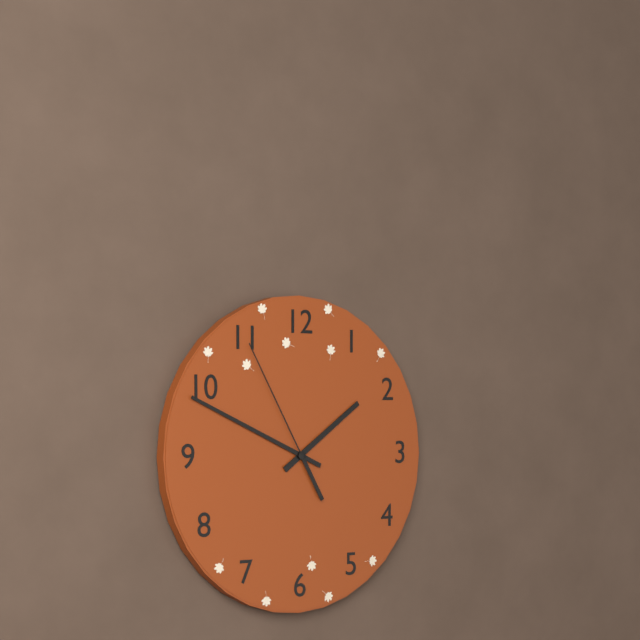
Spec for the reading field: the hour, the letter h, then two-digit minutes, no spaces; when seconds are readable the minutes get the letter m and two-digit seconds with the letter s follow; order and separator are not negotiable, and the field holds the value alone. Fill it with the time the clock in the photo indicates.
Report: 1h49m55s
